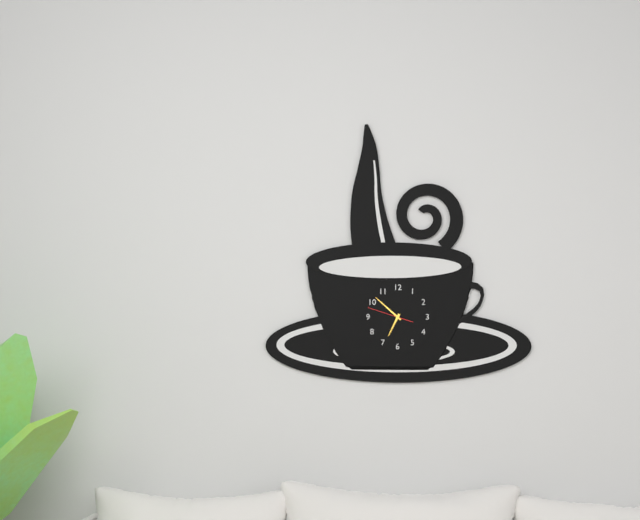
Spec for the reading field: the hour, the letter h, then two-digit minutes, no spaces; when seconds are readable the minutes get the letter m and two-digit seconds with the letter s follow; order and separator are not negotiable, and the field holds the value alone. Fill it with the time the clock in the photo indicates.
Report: 6h52
